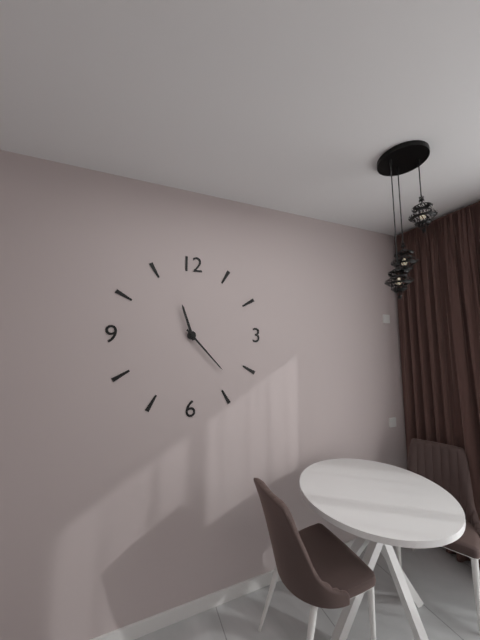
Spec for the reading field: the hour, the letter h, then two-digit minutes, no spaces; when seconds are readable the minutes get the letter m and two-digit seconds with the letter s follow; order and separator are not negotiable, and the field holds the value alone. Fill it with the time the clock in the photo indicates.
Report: 11h23
